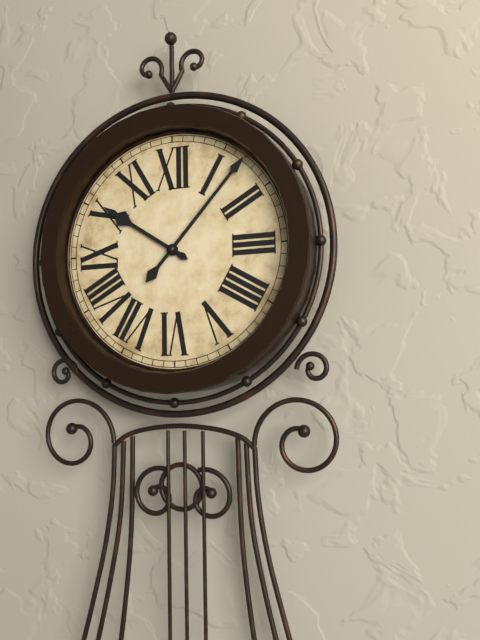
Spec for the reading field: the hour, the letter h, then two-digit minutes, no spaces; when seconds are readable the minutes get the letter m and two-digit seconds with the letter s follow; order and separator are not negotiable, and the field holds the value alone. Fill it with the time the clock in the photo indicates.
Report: 10h07
